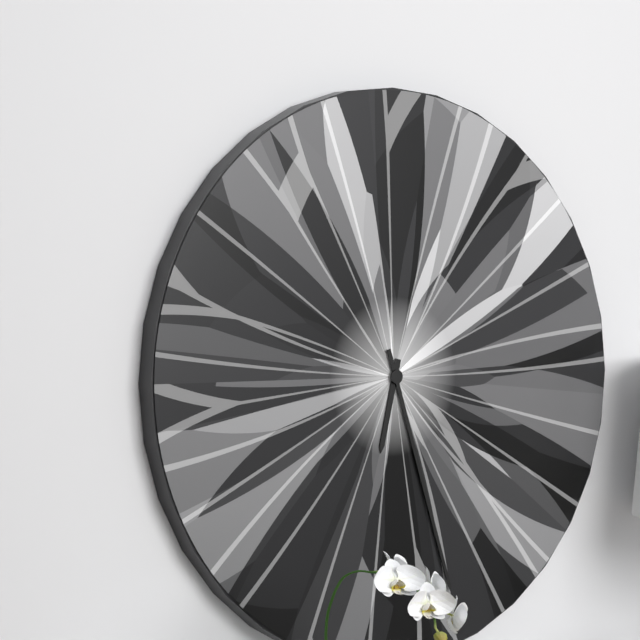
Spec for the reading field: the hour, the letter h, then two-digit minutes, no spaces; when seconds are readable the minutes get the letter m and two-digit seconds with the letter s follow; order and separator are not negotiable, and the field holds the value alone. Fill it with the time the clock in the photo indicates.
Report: 6h27
